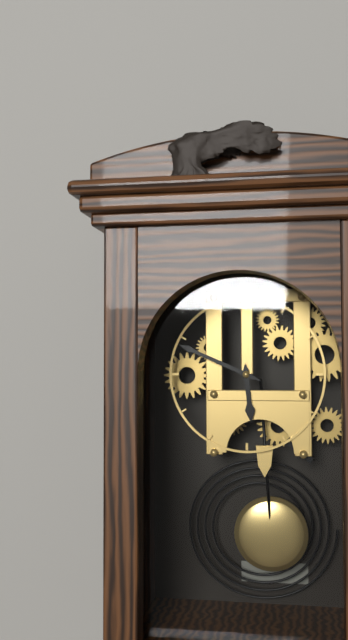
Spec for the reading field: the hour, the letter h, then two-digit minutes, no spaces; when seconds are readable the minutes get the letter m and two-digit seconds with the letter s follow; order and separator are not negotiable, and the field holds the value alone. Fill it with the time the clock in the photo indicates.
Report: 5h49
